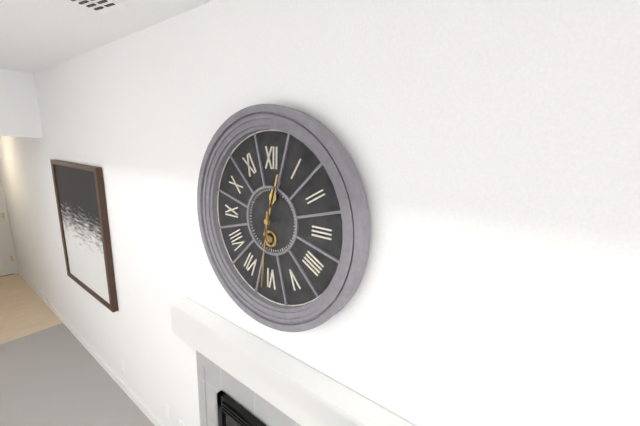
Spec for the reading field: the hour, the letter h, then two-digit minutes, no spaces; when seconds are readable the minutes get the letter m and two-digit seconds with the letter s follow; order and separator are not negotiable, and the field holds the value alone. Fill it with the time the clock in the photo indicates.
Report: 12h31
